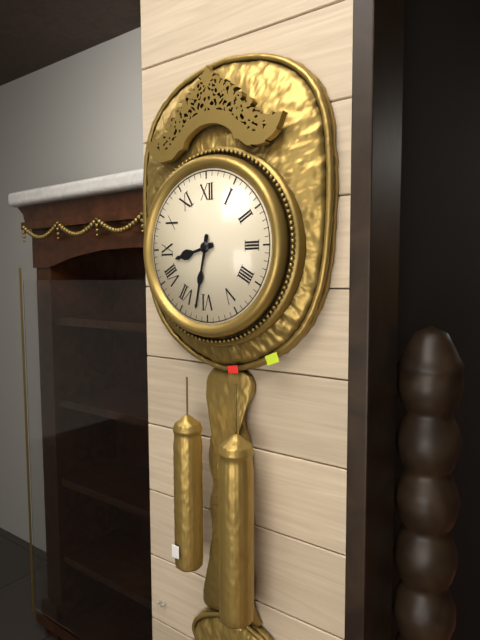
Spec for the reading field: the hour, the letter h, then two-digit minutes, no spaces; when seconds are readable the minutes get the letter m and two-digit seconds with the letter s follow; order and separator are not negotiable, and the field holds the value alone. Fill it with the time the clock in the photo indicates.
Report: 8h32
